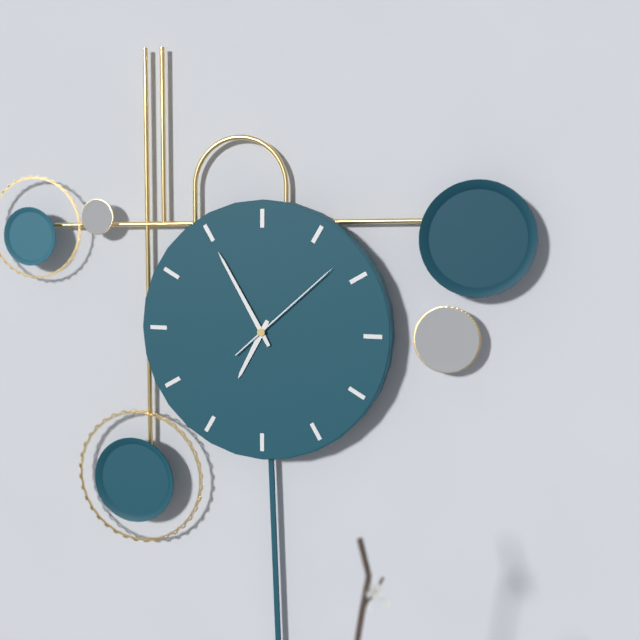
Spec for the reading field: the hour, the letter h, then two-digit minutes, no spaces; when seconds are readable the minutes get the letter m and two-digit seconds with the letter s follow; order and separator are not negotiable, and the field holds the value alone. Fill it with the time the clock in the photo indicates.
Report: 6h55m08s
